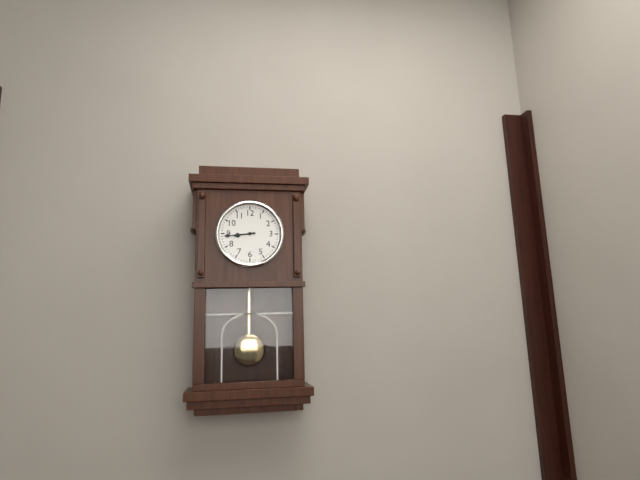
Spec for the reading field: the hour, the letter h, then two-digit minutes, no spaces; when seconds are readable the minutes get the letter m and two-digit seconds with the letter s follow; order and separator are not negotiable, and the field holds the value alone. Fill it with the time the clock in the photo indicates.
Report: 8h44
